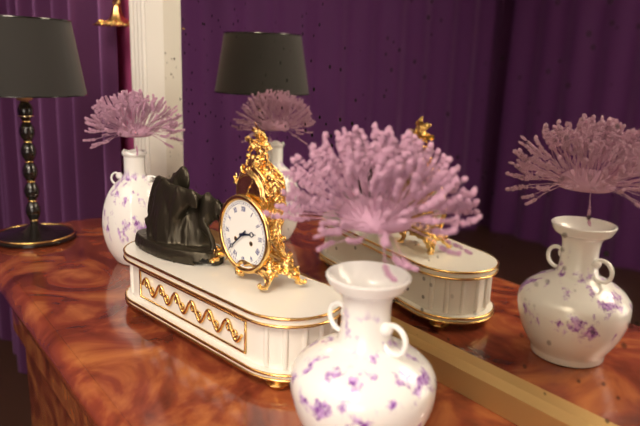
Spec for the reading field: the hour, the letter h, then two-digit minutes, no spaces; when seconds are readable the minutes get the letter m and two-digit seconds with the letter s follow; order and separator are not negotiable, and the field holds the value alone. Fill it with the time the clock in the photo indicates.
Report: 2h38
